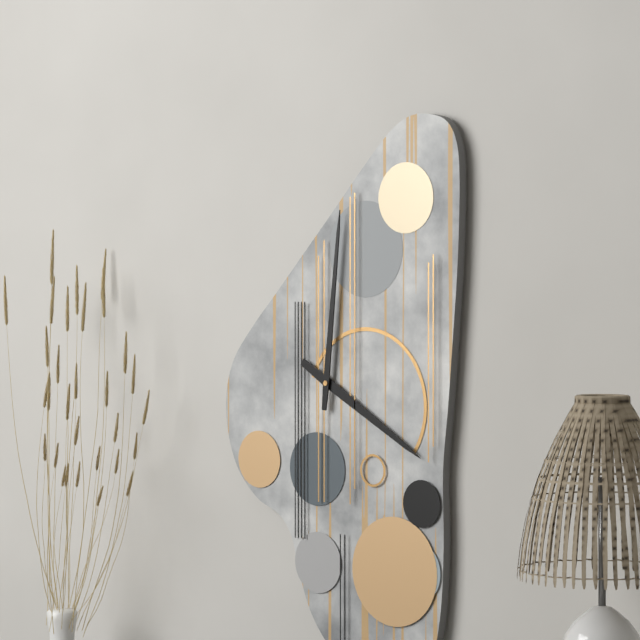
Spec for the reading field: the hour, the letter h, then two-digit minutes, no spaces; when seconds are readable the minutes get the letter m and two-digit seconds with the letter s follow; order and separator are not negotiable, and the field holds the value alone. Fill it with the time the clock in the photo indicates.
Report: 4h01
